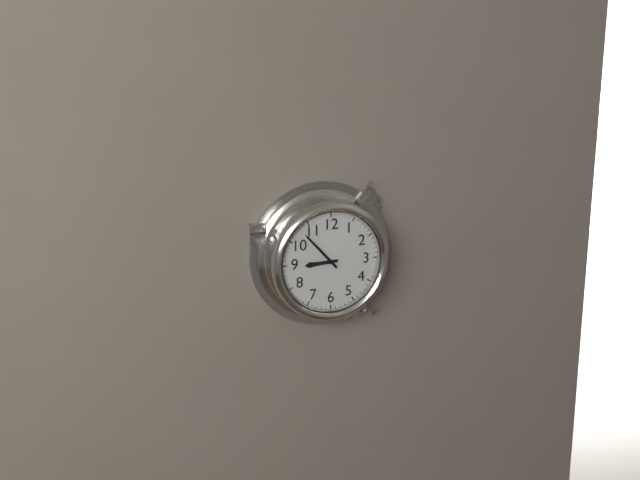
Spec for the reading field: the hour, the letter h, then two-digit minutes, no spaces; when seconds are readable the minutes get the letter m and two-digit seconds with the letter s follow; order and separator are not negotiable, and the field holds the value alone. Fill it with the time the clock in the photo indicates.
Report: 8h53
